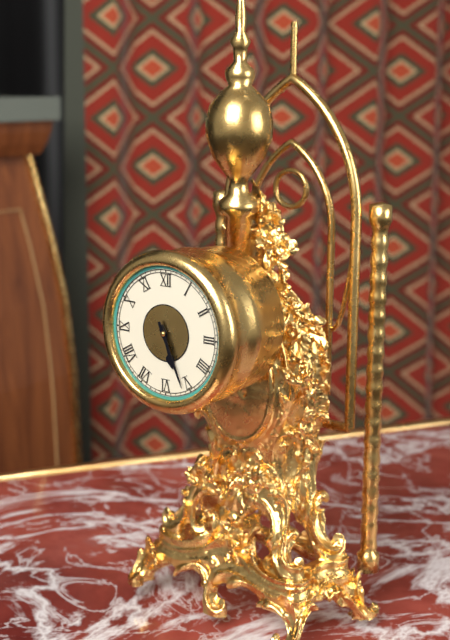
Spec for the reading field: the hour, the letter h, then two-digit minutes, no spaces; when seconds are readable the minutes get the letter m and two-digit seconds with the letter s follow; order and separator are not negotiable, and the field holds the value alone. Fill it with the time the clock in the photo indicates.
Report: 5h26
